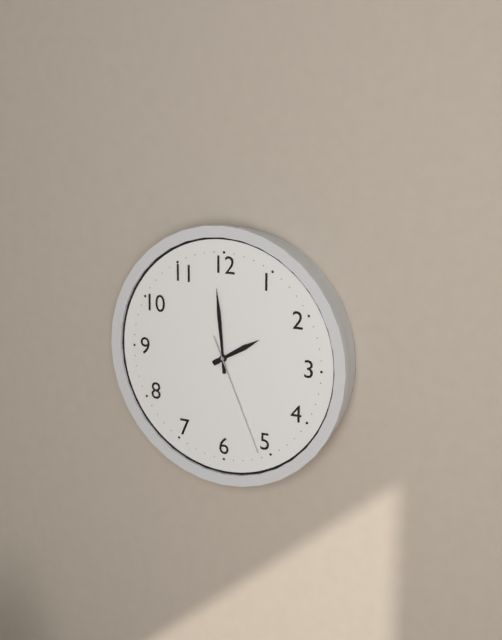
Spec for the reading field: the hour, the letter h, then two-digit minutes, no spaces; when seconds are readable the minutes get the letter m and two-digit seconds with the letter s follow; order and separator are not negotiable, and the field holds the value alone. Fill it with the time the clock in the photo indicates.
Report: 1h59m26s
